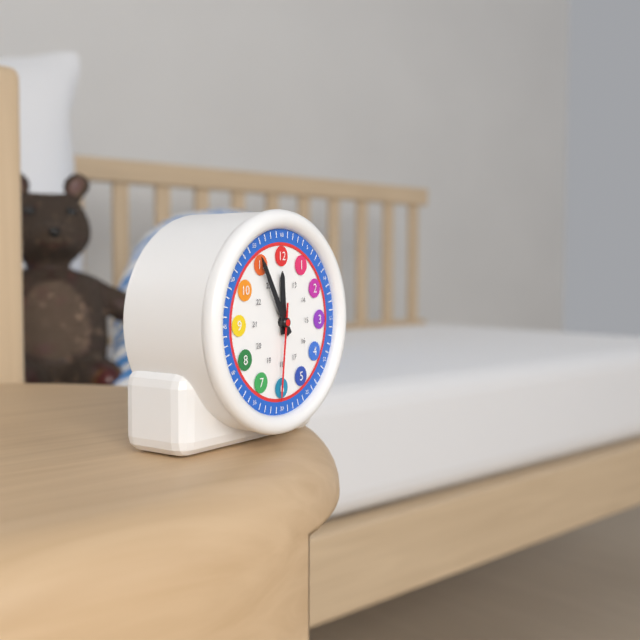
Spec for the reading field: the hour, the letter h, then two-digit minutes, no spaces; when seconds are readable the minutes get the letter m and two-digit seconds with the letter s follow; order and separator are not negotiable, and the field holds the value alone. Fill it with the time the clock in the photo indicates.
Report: 11h55m31s
